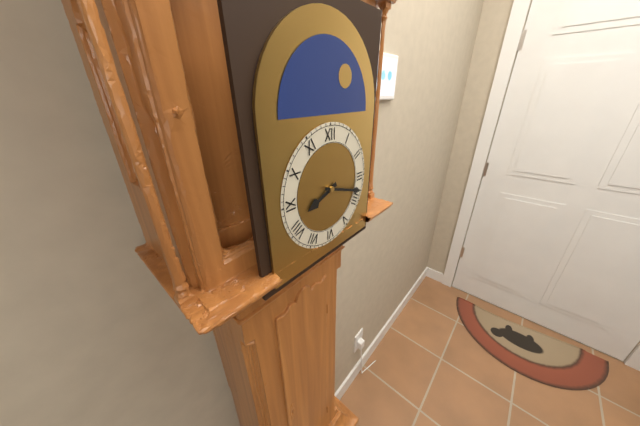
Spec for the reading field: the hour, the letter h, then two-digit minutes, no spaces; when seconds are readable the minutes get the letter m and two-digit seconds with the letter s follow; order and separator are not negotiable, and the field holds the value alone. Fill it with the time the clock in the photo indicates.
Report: 8h18
